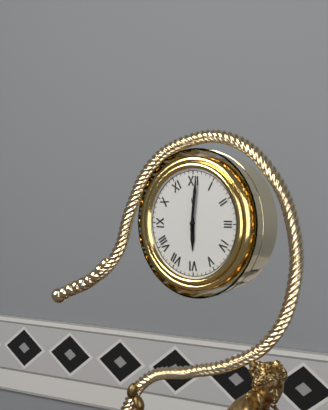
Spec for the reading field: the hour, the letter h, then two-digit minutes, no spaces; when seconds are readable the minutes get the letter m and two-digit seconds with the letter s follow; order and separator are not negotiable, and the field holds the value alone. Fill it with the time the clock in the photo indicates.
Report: 6h01
